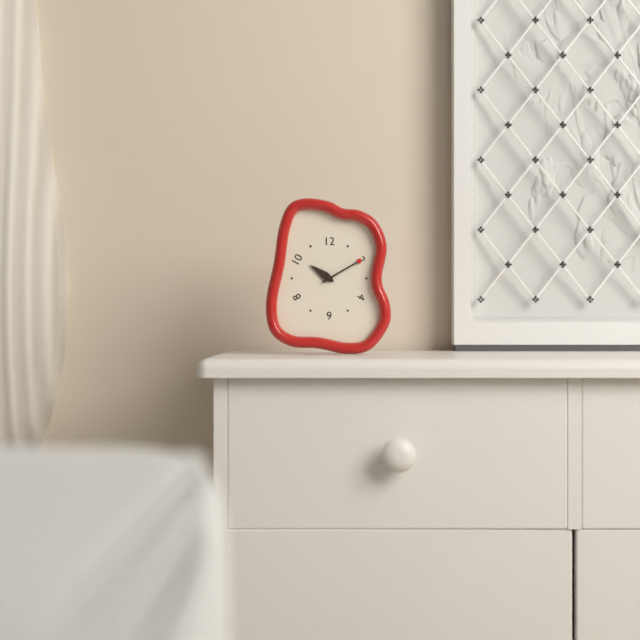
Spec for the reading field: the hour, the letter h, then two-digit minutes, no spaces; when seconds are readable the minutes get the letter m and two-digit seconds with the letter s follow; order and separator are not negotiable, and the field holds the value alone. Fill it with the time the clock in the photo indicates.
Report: 10h10
